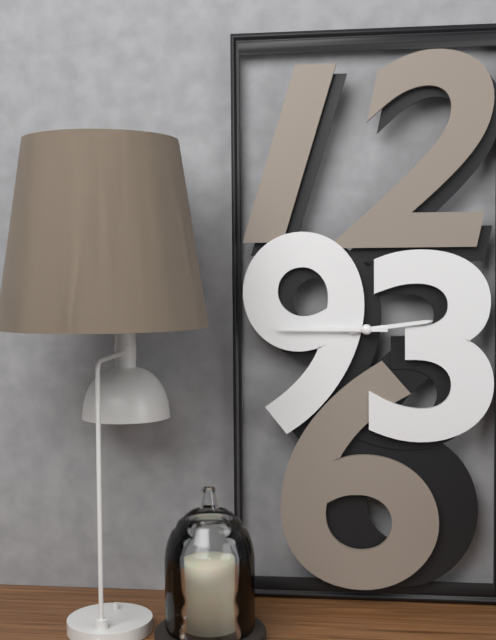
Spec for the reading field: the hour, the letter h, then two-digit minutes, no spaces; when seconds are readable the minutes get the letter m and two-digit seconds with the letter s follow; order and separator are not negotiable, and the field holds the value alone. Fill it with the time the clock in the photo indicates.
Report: 2h45
